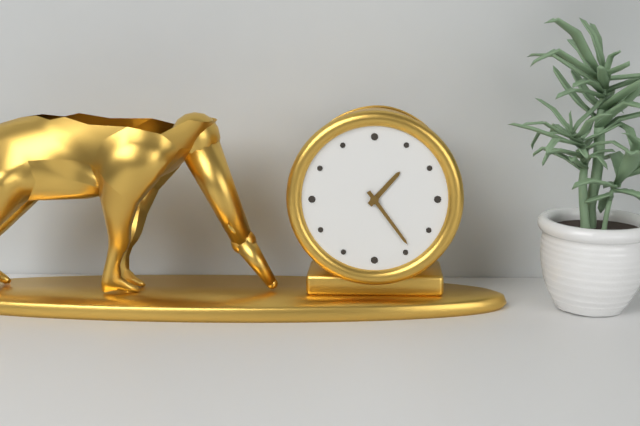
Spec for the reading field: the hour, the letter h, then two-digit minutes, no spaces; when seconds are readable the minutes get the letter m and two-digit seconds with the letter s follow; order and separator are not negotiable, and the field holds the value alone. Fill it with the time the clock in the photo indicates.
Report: 1h24
